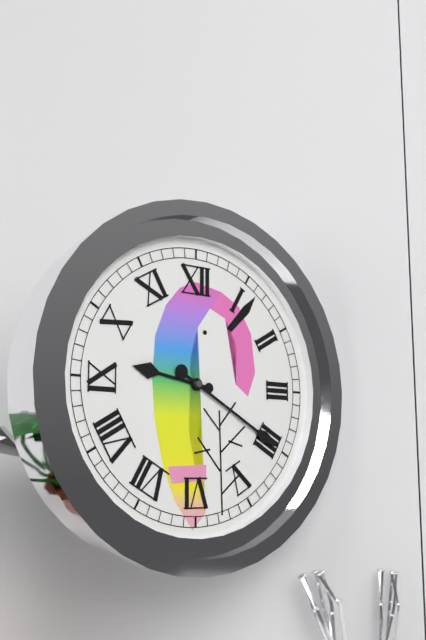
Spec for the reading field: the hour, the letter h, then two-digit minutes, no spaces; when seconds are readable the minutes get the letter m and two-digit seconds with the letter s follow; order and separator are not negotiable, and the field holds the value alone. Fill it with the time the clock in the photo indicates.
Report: 9h20
